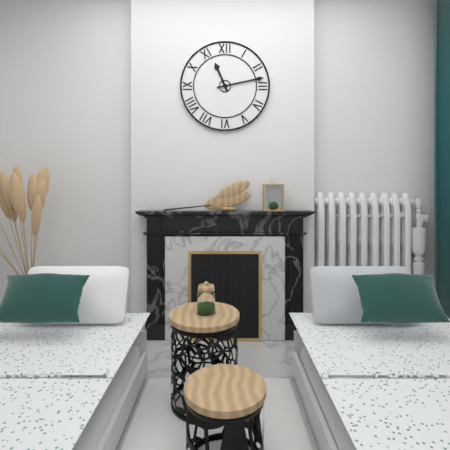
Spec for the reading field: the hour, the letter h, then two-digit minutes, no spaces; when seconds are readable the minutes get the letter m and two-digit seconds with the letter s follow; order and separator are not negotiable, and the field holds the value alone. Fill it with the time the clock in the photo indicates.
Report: 11h13
